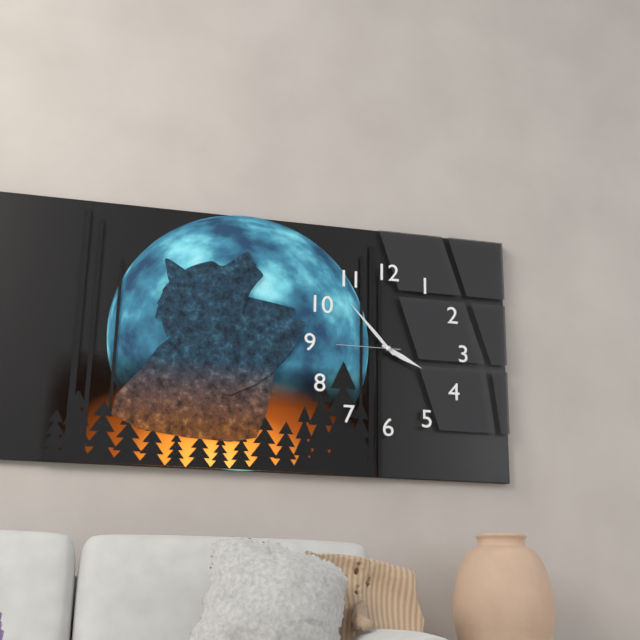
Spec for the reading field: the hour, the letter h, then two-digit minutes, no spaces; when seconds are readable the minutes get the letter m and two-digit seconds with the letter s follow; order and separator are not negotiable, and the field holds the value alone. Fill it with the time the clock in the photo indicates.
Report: 3h53m45s
